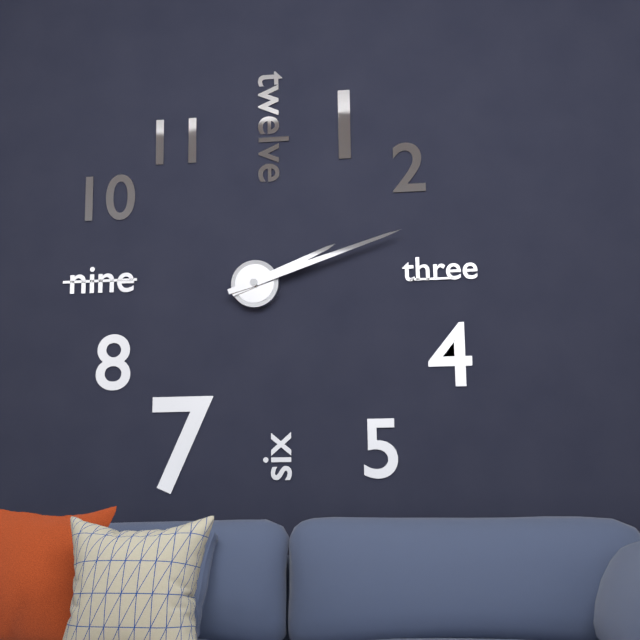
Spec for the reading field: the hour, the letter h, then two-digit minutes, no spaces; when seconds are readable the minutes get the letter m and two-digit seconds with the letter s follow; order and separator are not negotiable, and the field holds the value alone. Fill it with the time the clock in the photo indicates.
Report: 2h12
